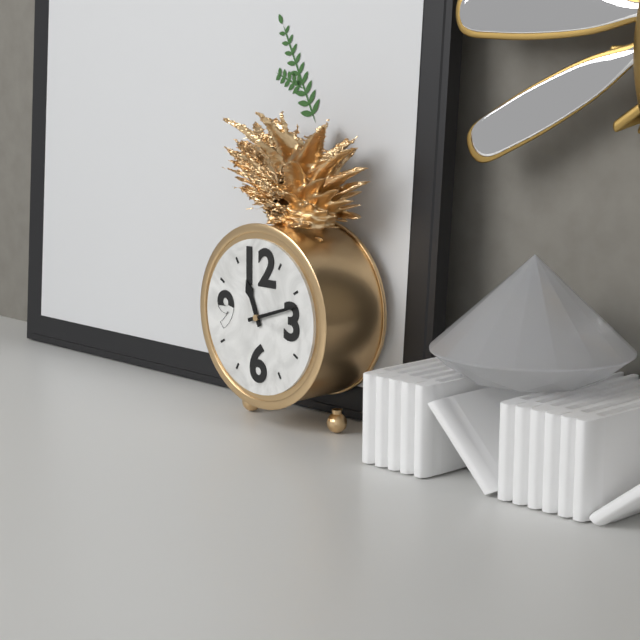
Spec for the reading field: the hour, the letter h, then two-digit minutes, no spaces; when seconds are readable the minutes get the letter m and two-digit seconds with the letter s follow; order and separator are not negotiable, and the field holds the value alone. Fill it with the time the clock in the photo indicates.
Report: 11h12
